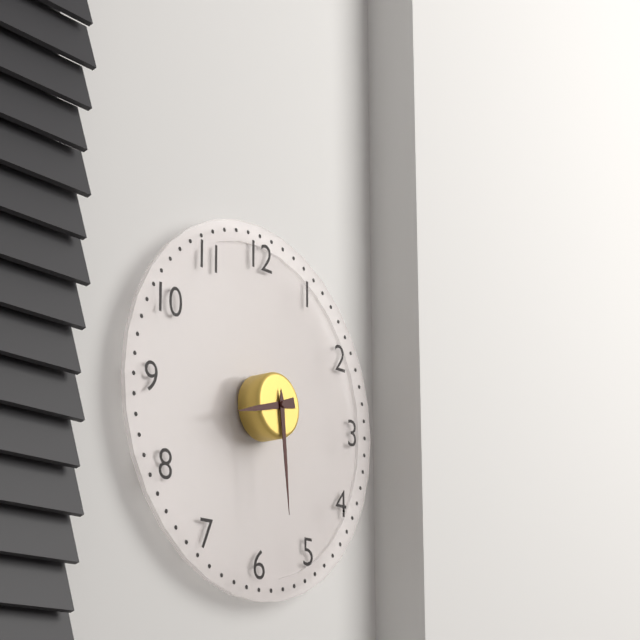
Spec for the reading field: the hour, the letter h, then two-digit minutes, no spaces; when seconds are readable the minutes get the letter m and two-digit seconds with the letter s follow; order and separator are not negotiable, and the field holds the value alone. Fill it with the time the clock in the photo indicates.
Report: 8h29
